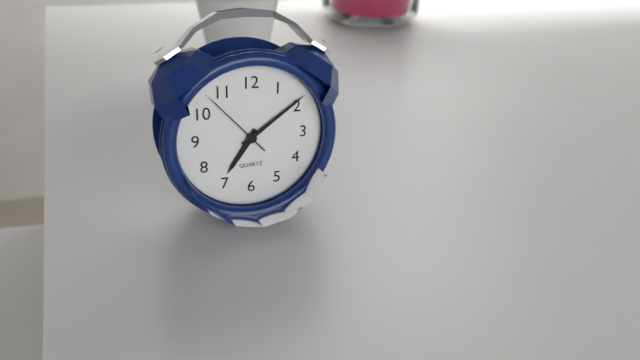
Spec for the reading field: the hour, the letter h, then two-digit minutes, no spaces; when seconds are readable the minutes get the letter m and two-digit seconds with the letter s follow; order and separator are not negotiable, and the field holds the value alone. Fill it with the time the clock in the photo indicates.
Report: 7h09m53s
